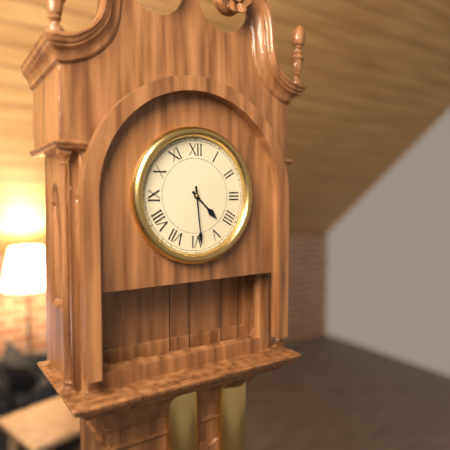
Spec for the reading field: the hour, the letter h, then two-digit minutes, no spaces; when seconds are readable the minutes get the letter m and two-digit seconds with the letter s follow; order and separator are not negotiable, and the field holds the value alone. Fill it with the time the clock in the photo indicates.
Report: 4h29
